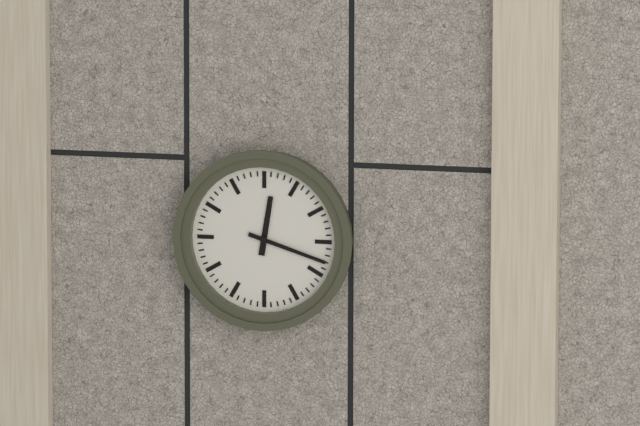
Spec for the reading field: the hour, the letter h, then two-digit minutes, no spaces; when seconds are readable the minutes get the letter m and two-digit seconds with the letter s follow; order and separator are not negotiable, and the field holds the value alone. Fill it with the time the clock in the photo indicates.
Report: 12h18
